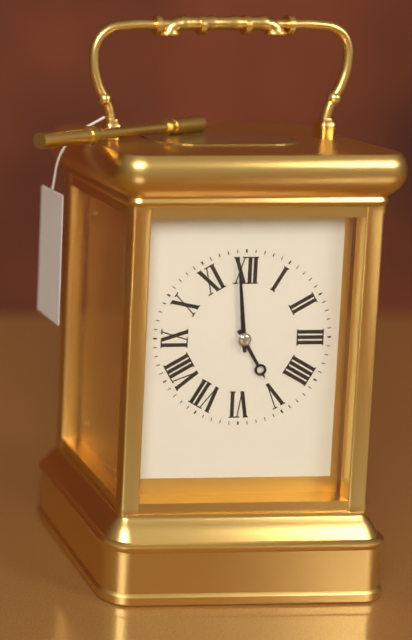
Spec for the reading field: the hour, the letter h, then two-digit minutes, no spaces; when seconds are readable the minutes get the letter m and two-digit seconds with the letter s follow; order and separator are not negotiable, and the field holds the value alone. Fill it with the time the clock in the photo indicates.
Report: 4h59
